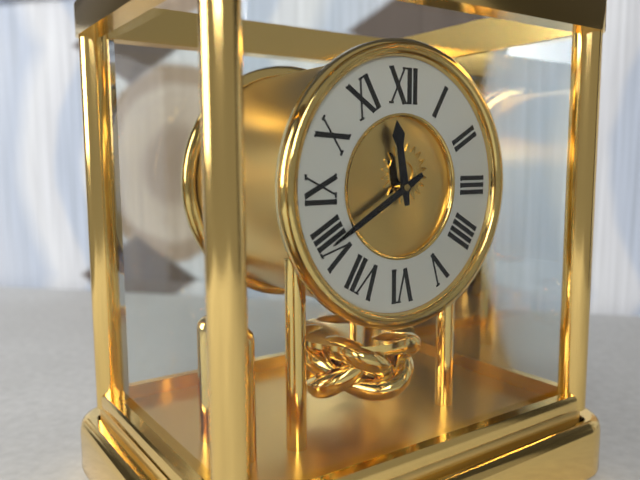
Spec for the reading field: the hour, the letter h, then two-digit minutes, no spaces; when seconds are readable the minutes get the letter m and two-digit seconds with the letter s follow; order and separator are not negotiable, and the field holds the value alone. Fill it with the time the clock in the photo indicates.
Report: 11h40
